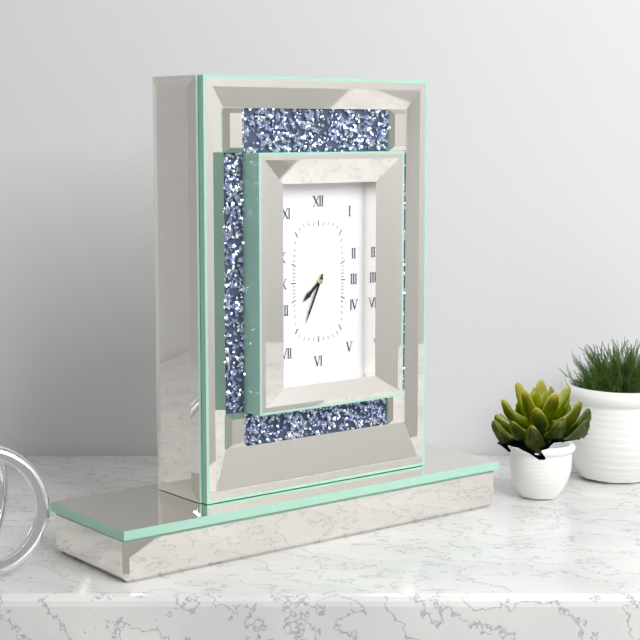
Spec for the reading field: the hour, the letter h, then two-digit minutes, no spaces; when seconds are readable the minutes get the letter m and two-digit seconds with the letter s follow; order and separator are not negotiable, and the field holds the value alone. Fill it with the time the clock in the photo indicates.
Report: 7h34
